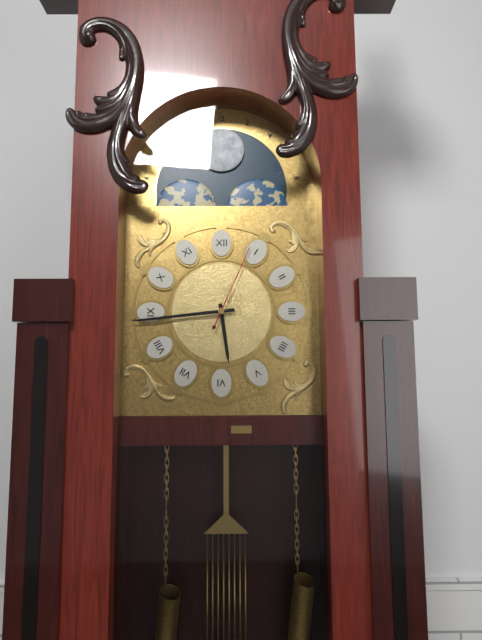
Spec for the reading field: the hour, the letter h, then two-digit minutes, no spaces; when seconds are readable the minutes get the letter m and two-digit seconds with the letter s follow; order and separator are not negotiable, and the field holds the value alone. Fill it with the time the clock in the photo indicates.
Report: 5h44m04s
